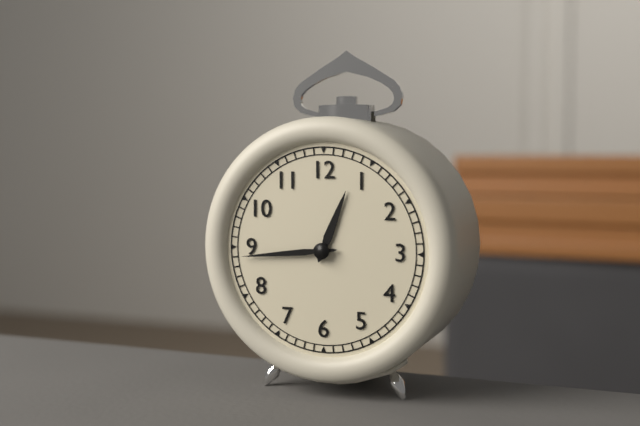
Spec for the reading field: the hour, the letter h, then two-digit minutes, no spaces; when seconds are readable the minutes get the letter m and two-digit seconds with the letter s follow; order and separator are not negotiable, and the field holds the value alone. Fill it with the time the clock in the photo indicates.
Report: 12h44
